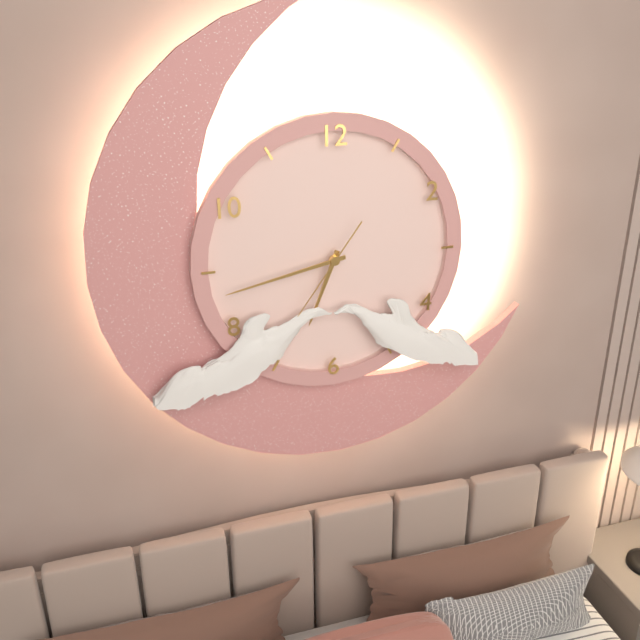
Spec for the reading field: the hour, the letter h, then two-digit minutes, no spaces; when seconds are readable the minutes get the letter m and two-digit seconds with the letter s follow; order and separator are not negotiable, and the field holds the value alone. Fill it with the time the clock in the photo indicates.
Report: 6h43
